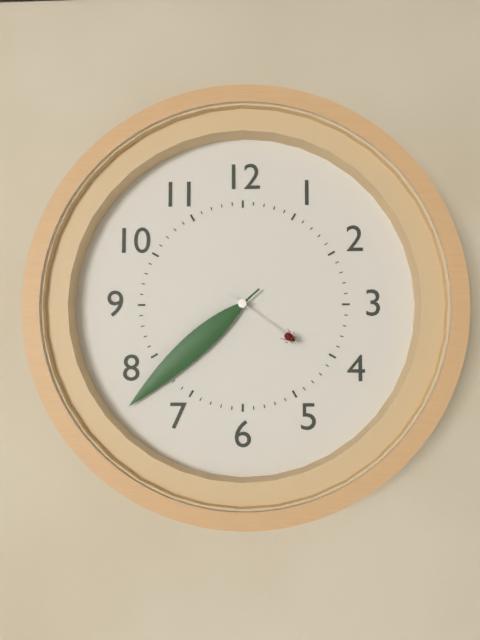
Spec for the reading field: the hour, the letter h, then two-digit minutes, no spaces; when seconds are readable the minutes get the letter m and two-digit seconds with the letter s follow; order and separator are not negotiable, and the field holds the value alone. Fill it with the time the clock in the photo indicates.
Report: 7h38m21s
